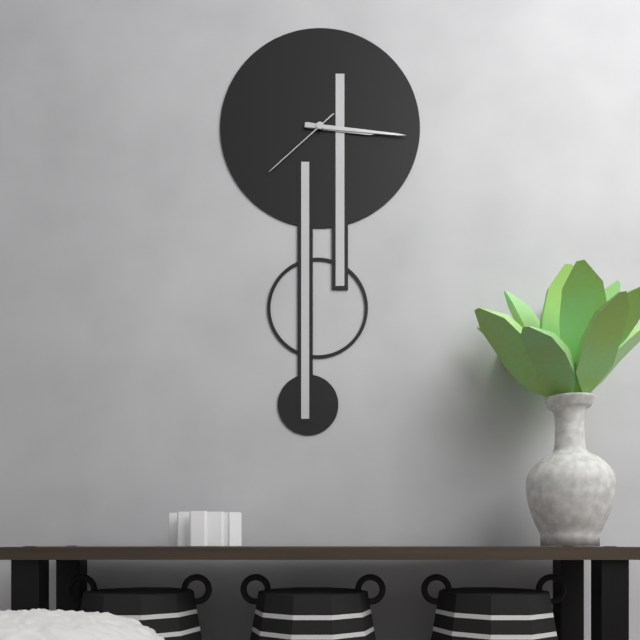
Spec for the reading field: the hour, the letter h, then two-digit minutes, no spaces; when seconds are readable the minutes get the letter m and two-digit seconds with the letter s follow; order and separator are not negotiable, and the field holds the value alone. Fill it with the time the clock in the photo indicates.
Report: 3h16m38s
